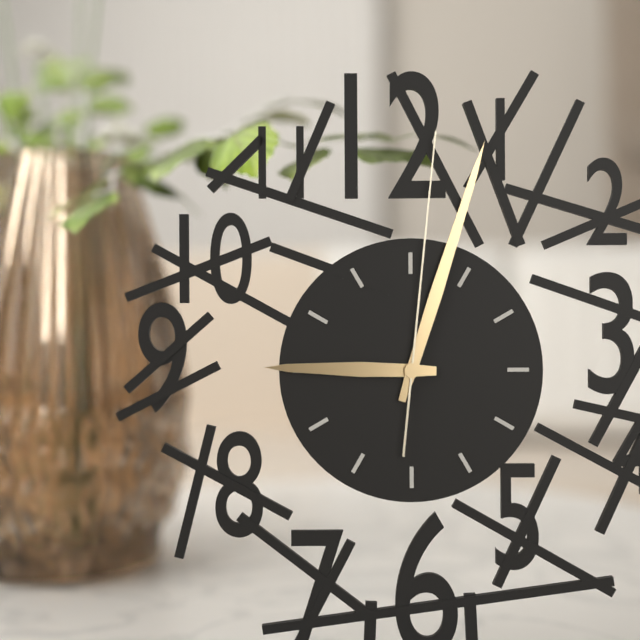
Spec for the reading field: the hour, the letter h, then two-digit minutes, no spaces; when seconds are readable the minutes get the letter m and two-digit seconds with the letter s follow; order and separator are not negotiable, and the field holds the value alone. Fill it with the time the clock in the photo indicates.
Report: 9h03m01s
